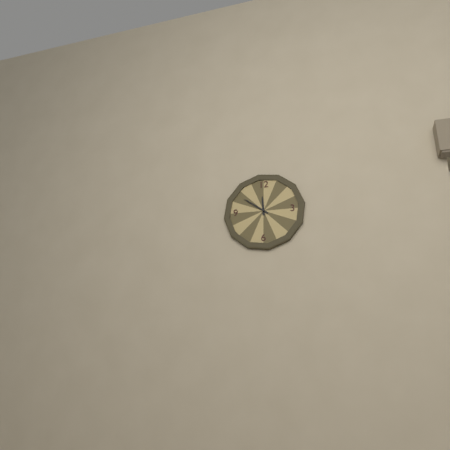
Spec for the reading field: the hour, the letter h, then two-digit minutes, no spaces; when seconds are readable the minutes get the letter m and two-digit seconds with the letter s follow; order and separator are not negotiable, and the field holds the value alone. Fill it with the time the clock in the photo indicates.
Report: 11h51
